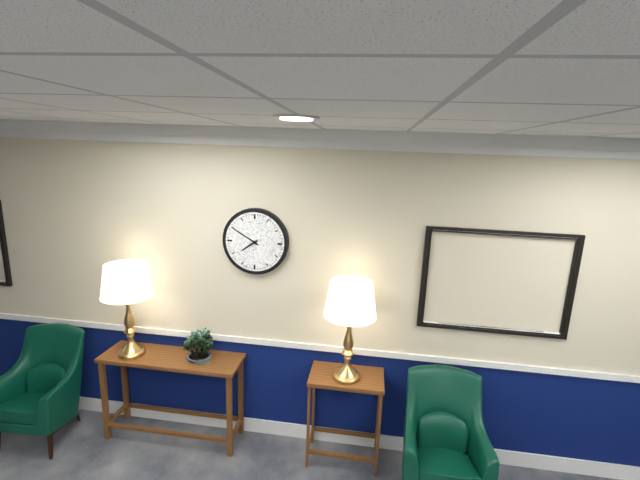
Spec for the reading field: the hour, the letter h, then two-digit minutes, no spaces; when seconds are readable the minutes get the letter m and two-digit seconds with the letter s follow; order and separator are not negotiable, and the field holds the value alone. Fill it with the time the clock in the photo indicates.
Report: 7h50
